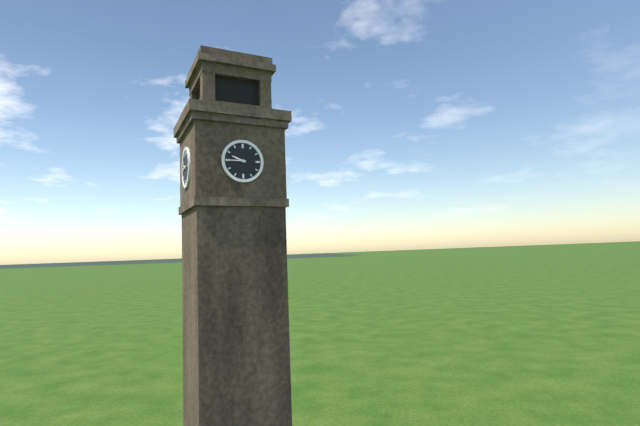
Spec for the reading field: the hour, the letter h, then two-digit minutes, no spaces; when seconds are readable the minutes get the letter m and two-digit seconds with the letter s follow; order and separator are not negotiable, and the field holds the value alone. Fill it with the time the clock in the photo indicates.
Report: 9h45
